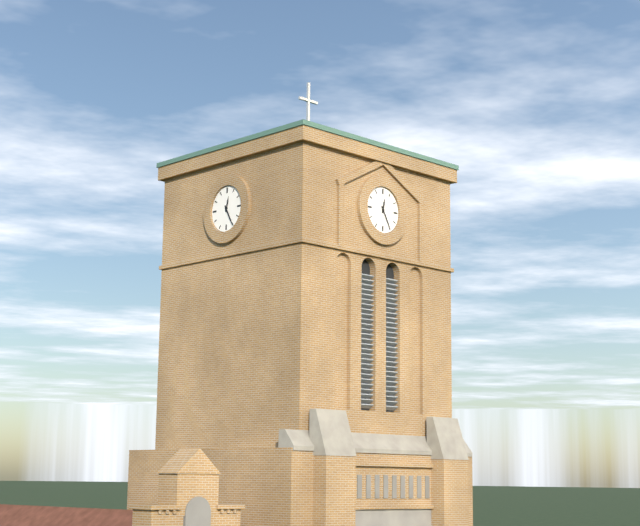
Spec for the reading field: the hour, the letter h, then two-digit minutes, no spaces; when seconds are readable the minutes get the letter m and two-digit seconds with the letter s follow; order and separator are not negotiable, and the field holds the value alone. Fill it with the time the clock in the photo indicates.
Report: 12h25
